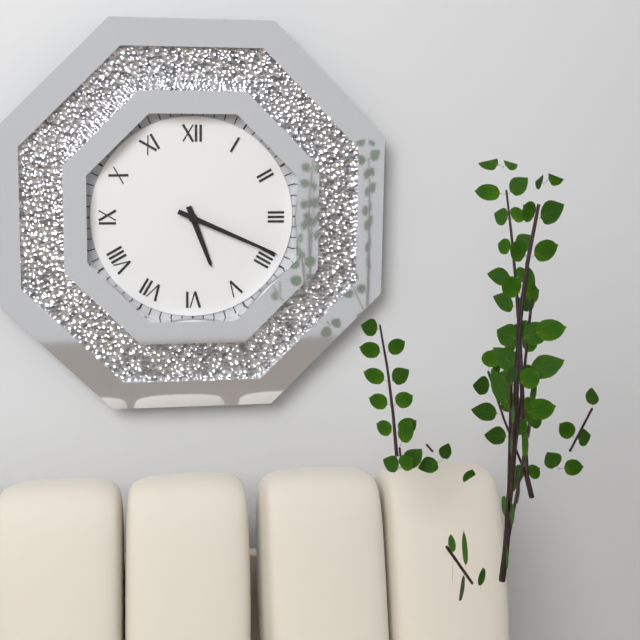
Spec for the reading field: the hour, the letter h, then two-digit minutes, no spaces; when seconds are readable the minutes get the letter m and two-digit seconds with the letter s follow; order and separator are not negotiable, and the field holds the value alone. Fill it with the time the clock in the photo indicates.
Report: 5h19
